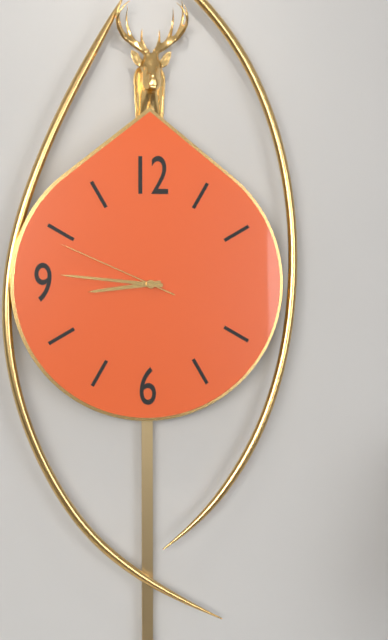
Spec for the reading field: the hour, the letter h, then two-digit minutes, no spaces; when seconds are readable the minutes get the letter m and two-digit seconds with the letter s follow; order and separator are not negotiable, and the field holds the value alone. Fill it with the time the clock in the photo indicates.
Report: 8h46m49s
